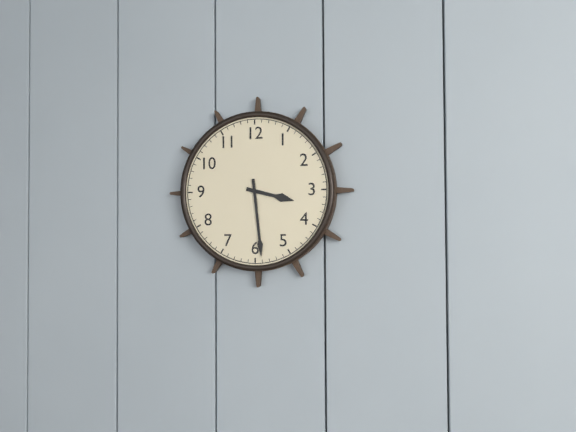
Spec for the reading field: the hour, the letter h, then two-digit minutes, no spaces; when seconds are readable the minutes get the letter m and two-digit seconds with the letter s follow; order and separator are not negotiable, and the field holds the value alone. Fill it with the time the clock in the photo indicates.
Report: 3h29
